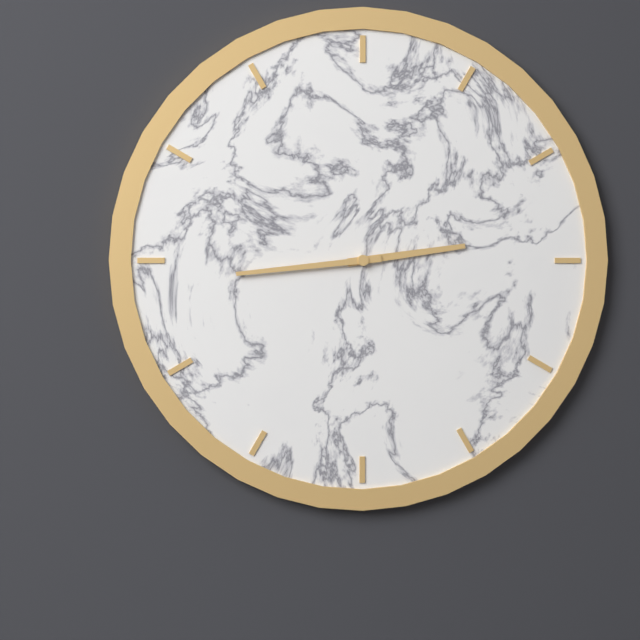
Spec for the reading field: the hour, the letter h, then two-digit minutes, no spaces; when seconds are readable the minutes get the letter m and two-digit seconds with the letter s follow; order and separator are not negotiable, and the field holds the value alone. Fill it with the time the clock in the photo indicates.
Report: 2h44
